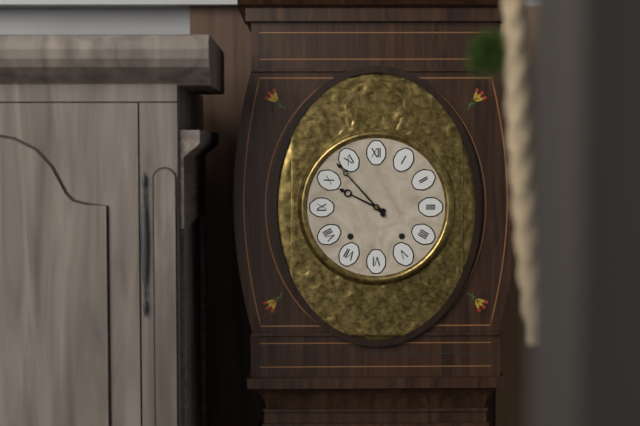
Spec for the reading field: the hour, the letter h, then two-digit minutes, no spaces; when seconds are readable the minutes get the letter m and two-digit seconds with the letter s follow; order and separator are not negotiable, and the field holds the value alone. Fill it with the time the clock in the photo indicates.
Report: 9h53
